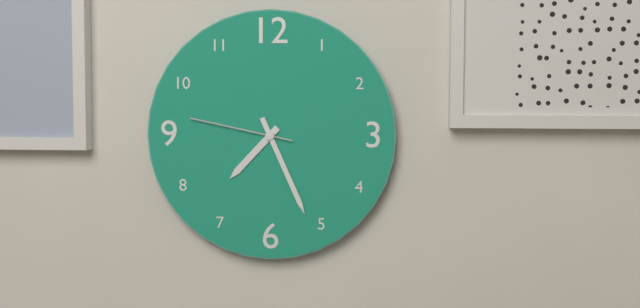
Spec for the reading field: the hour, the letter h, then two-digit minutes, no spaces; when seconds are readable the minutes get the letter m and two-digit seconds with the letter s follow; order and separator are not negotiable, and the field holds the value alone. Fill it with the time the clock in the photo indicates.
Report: 7h26m47s
